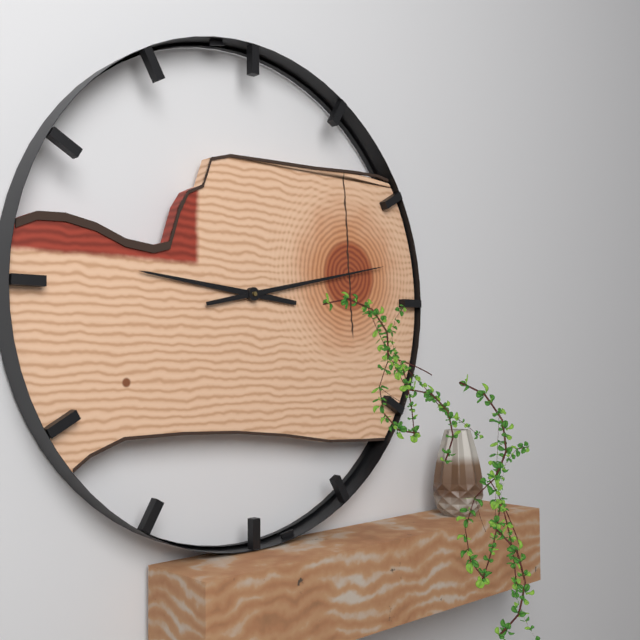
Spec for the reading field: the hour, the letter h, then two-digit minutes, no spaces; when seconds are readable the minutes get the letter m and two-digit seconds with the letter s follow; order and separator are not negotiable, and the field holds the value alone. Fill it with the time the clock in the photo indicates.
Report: 9h13
